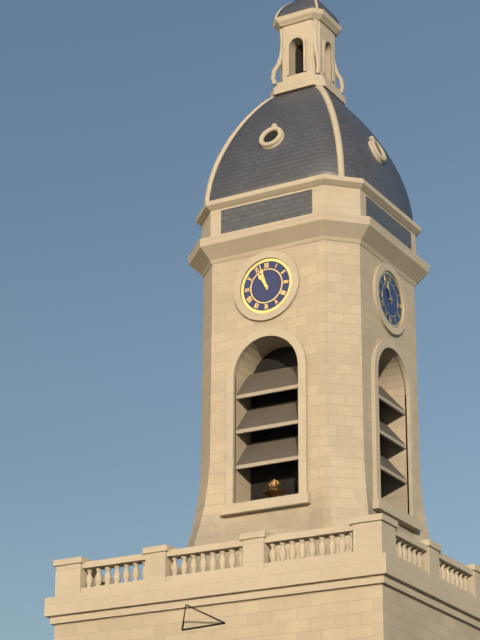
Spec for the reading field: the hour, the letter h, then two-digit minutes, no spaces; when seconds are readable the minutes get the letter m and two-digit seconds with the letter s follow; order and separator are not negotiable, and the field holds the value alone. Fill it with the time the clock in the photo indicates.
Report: 10h57
